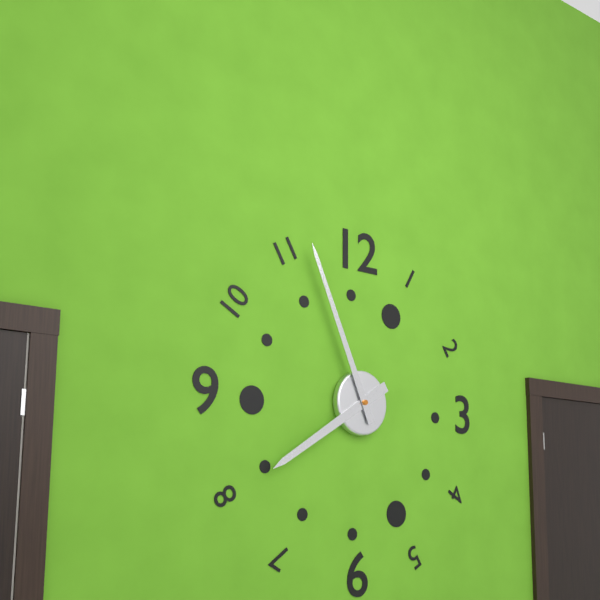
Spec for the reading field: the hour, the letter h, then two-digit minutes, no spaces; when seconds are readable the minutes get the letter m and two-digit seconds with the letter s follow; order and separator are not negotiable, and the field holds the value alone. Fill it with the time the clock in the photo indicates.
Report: 7h56
